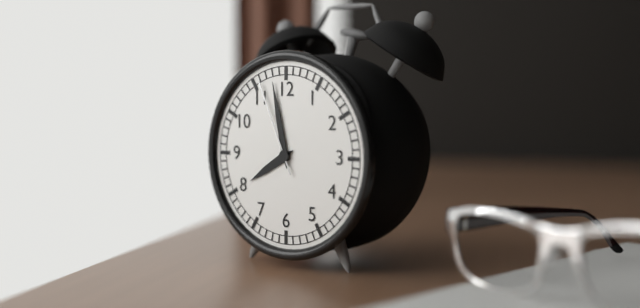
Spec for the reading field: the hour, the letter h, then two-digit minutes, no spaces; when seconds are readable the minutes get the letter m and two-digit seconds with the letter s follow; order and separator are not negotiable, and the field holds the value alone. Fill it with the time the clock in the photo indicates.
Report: 7h58m56s
